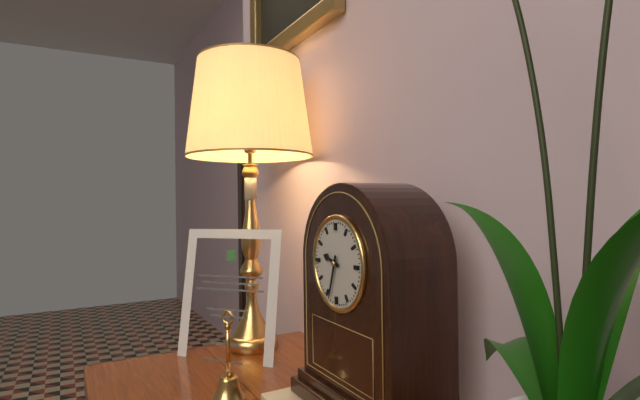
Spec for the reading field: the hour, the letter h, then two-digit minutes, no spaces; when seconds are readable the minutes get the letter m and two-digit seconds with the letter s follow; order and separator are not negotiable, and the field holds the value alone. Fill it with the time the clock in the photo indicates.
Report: 9h33
